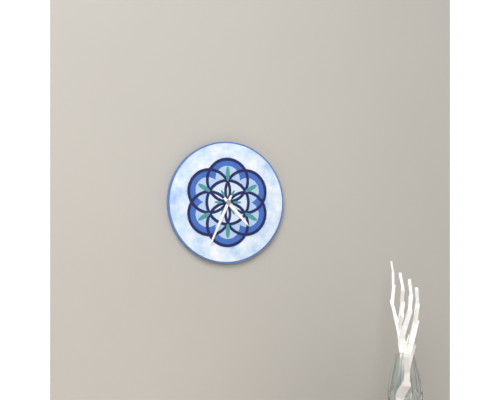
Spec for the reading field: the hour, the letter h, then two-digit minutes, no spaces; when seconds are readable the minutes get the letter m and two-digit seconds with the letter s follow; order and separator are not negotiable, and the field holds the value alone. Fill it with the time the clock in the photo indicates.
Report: 4h34
